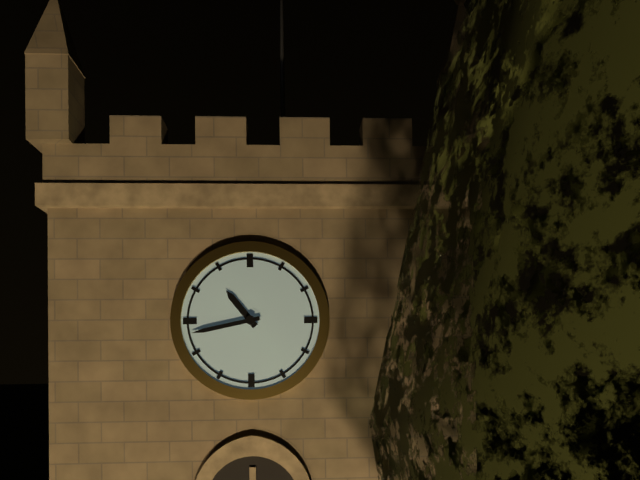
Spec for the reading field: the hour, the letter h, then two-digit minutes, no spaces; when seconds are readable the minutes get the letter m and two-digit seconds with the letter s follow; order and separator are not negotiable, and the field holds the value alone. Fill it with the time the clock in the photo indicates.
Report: 10h43
